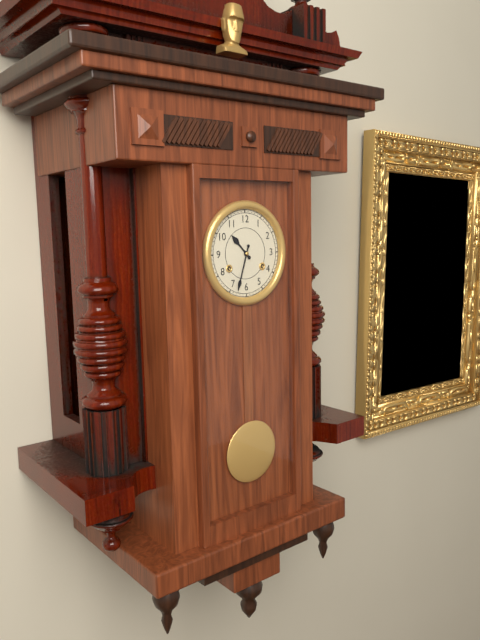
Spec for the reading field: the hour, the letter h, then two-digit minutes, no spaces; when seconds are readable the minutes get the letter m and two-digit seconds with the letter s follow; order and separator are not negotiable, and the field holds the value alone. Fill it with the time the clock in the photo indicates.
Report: 10h33
